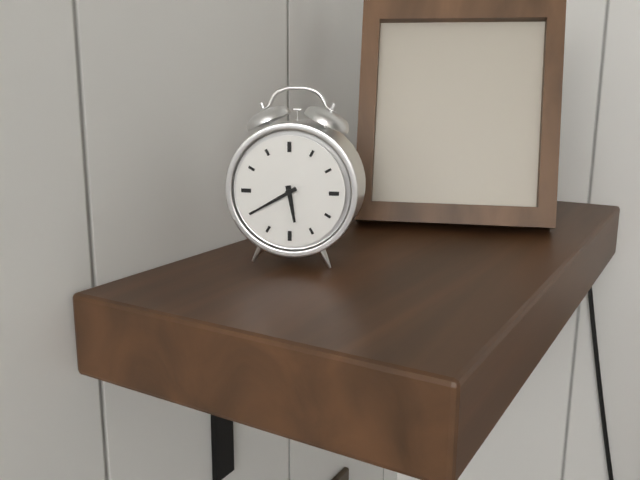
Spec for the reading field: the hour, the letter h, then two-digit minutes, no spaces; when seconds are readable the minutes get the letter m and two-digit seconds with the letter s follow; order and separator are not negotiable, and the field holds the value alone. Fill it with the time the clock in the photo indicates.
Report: 5h40
